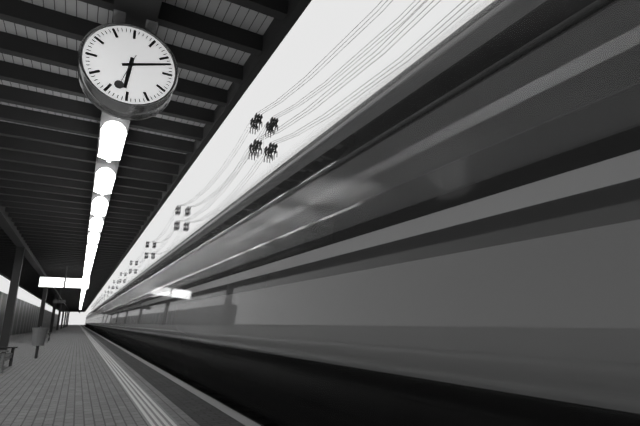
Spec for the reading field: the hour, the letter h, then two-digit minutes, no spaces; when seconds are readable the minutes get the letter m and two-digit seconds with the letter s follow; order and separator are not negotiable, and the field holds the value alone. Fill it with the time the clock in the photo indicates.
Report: 6h12
